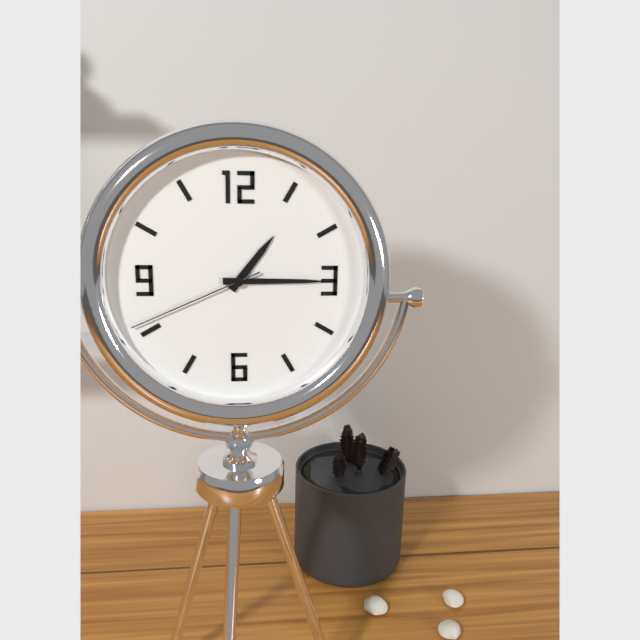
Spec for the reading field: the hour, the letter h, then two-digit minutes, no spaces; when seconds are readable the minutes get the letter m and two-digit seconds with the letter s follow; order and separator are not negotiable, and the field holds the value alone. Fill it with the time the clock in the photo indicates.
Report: 1h15m41s
